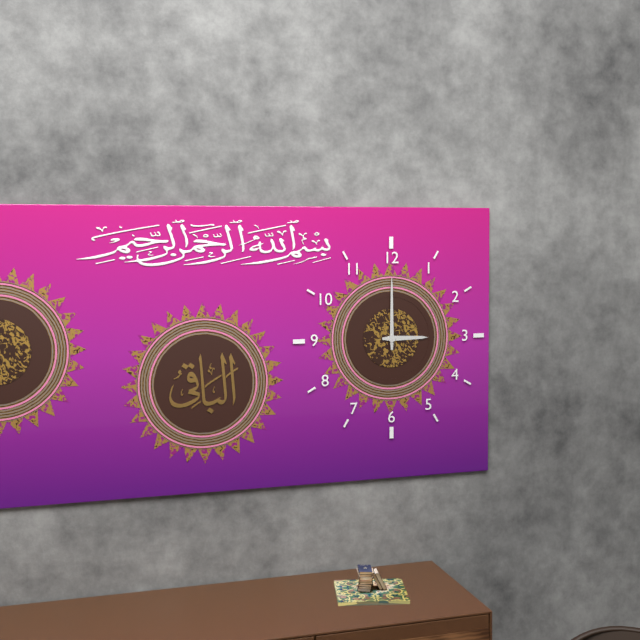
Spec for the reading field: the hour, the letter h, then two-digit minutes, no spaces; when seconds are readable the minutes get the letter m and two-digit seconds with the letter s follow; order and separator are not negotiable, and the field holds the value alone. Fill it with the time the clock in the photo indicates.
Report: 3h00
